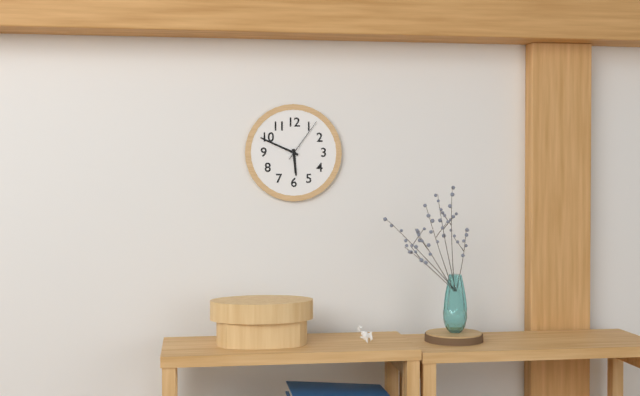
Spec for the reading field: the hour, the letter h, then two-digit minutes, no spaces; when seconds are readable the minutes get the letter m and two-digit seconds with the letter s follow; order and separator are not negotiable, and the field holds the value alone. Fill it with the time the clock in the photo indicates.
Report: 5h49
